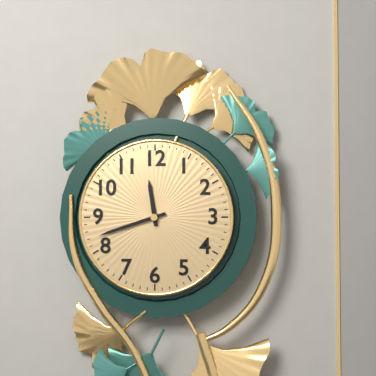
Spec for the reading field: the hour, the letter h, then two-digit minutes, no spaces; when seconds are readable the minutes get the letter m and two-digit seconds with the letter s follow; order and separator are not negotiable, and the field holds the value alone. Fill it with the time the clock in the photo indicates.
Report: 11h42
